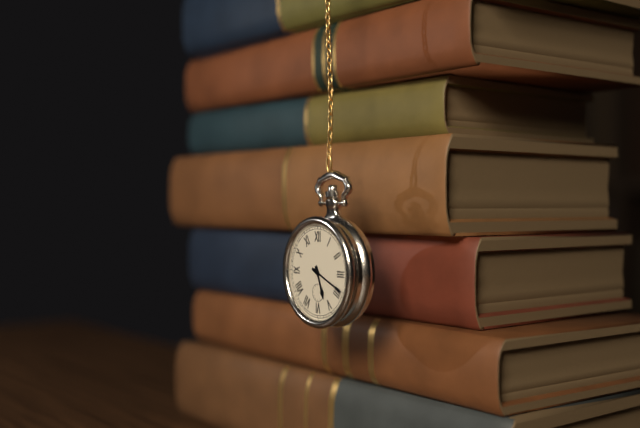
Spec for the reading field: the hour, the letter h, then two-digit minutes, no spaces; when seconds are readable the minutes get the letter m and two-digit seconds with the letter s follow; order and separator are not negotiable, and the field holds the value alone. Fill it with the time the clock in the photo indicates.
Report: 5h19
